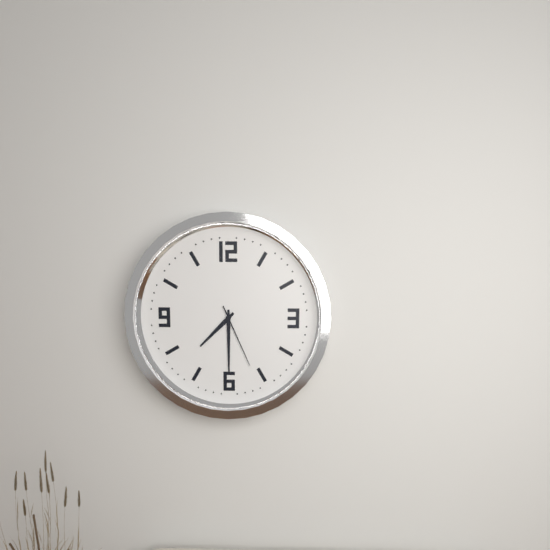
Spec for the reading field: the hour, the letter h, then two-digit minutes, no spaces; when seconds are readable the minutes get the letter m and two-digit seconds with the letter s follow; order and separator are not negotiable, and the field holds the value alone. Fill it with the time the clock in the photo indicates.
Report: 7h30m26s
